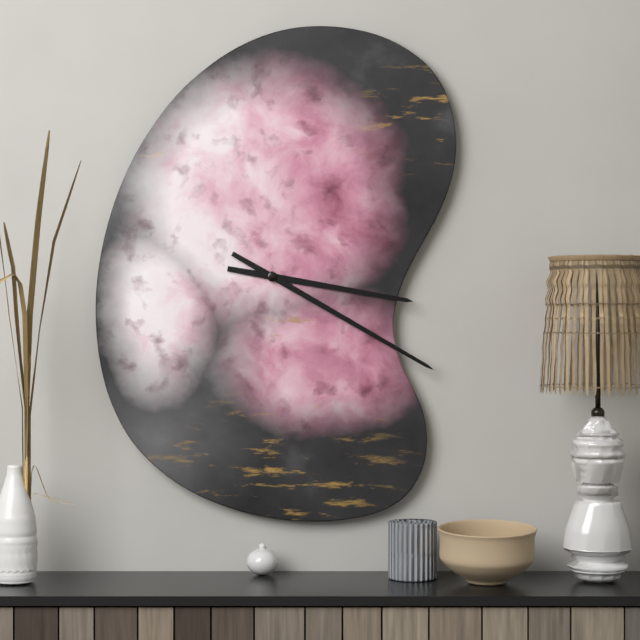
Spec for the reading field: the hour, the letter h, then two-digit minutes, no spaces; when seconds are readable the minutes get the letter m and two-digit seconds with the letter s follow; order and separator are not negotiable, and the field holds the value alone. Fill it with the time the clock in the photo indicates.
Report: 3h20
